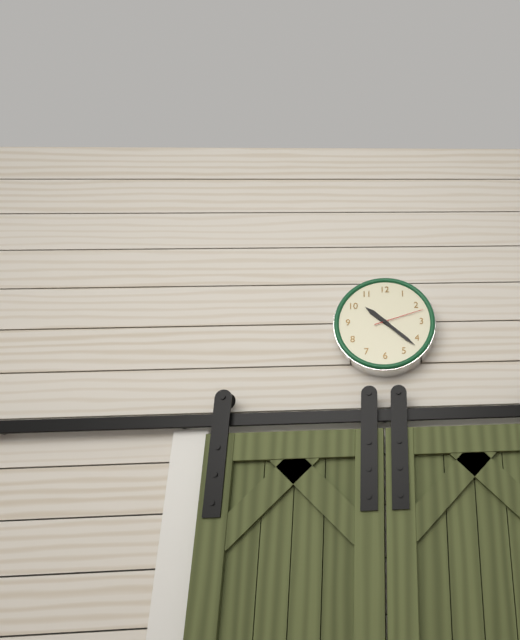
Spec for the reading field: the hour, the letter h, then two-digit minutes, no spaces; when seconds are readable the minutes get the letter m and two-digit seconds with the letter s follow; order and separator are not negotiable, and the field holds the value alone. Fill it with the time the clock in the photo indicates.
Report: 10h22
